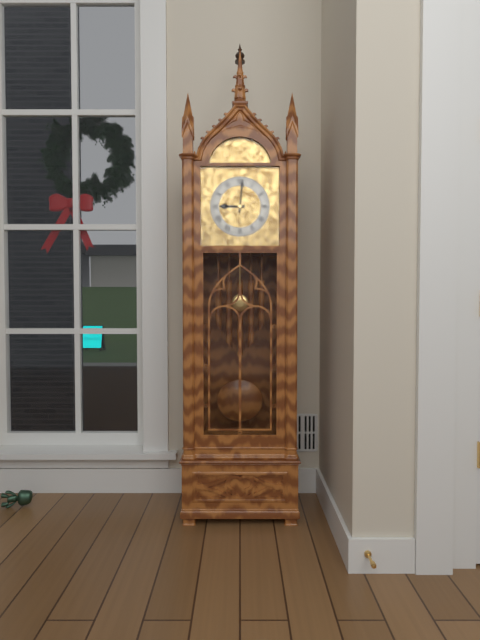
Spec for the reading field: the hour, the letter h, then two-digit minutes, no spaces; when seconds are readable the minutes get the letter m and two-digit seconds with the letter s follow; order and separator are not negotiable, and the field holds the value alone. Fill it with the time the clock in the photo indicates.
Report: 9h01
